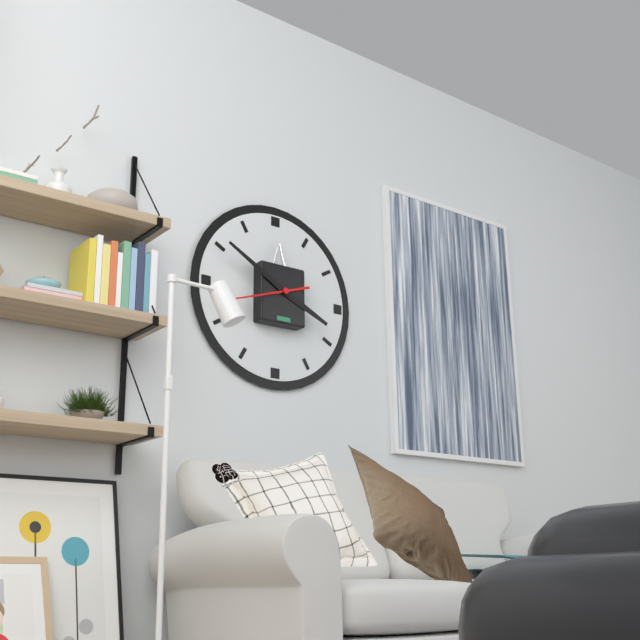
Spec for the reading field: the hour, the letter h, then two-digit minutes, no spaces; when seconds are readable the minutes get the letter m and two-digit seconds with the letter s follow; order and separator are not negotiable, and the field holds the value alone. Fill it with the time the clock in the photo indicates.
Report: 3h50m42s
